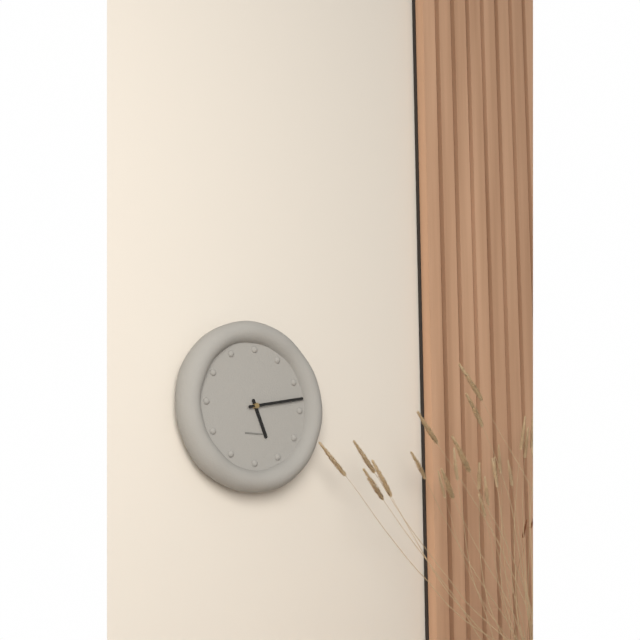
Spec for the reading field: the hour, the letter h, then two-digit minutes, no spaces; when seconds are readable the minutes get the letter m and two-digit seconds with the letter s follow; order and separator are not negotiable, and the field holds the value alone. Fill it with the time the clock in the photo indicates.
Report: 5h13
